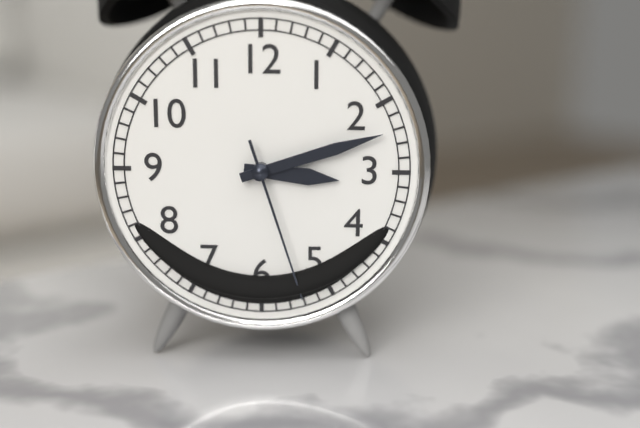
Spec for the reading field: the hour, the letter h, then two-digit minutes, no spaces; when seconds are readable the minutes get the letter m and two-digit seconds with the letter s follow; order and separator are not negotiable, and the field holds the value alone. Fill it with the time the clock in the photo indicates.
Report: 3h12m27s
